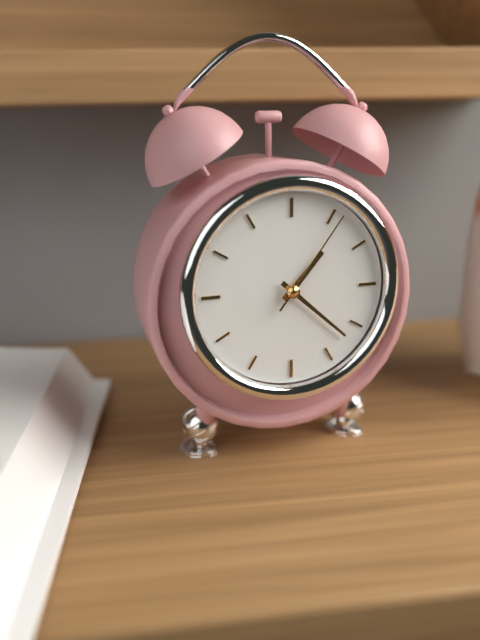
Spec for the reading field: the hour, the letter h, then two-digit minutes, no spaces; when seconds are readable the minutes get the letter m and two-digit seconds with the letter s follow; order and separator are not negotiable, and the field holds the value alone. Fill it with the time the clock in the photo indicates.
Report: 1h22m06s
